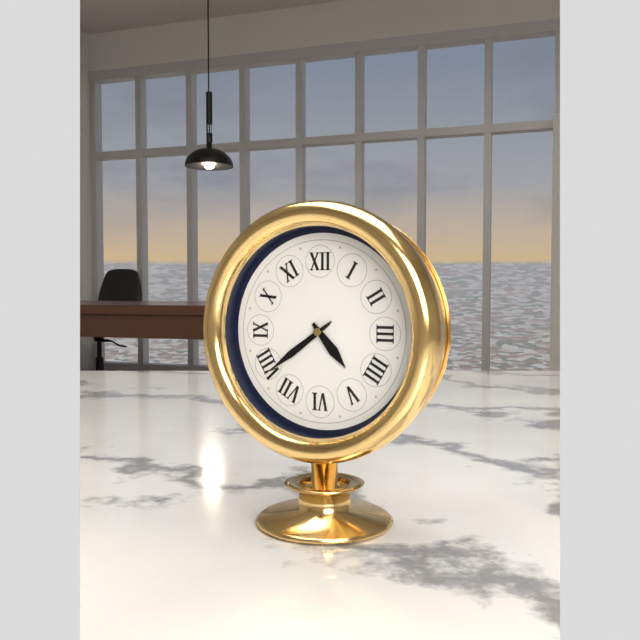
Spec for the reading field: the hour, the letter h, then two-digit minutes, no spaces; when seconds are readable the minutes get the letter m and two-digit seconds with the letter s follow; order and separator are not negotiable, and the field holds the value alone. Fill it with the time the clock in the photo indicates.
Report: 4h39m39s
